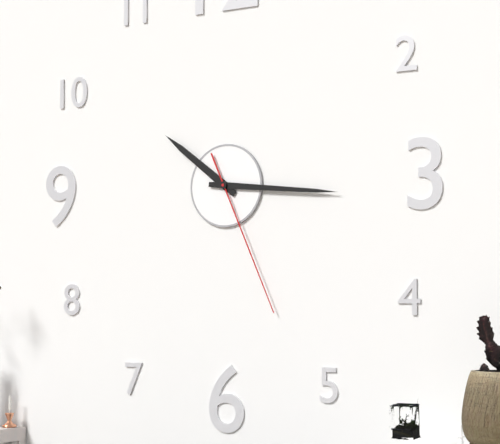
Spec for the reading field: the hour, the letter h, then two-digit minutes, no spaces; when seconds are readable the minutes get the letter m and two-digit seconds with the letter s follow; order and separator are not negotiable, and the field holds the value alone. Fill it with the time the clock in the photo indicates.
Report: 10h16m26s
